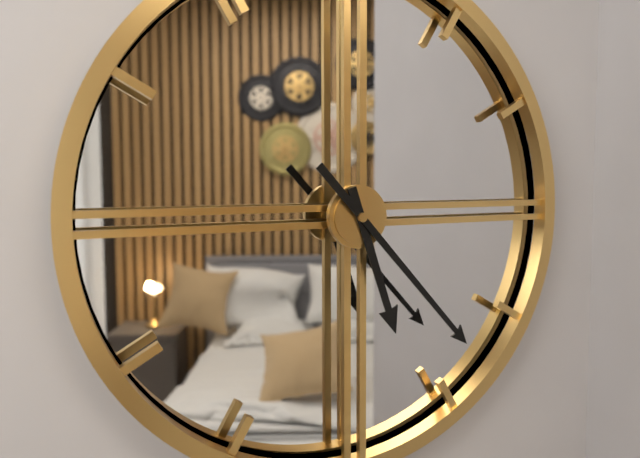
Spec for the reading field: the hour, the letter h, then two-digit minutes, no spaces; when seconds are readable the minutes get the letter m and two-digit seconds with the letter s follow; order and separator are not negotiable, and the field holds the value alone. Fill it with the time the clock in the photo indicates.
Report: 5h23
